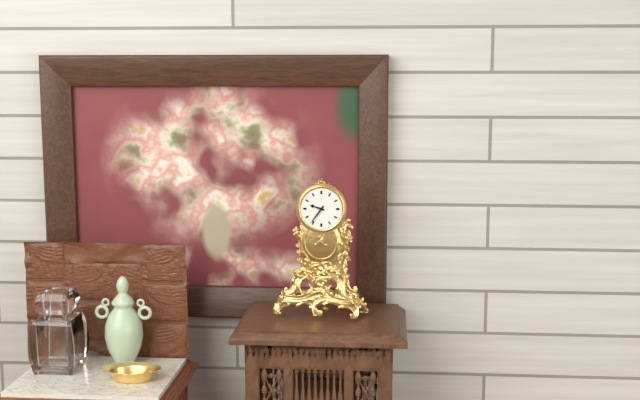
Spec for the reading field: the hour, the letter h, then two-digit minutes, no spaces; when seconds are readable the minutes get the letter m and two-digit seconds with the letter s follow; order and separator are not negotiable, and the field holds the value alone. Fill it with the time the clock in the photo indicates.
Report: 9h36
